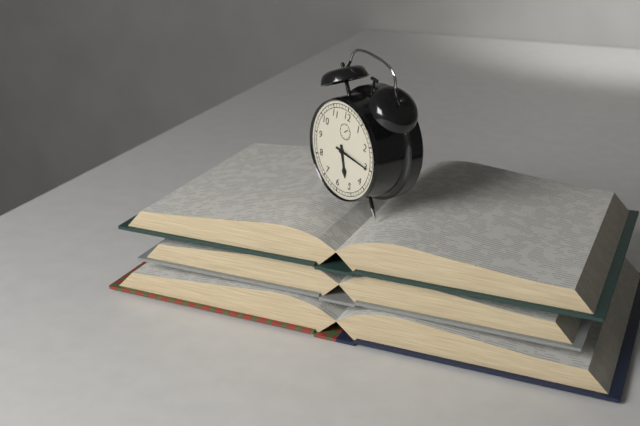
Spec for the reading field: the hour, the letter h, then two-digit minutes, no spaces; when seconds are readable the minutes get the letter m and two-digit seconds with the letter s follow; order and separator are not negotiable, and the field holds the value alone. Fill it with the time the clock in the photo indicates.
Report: 5h15
